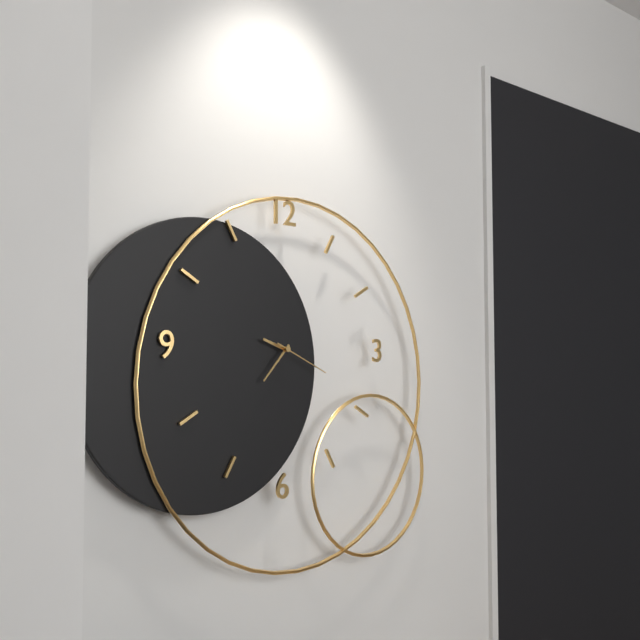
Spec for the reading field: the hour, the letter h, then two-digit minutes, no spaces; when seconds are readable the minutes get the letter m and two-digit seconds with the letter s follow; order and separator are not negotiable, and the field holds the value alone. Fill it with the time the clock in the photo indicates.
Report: 9h37m19s
